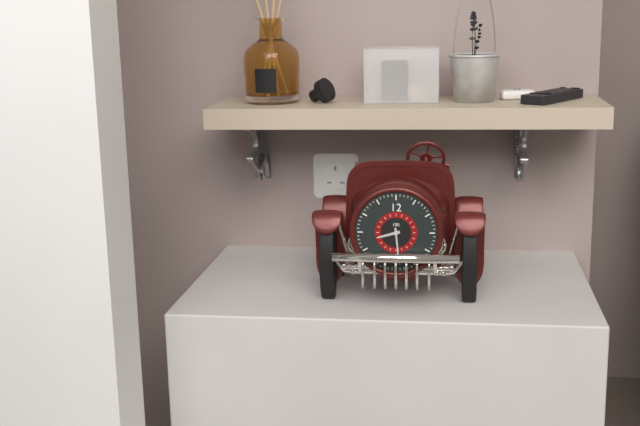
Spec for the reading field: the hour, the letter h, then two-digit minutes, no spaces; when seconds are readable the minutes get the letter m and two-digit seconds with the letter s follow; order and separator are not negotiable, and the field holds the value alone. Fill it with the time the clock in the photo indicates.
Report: 8h29
